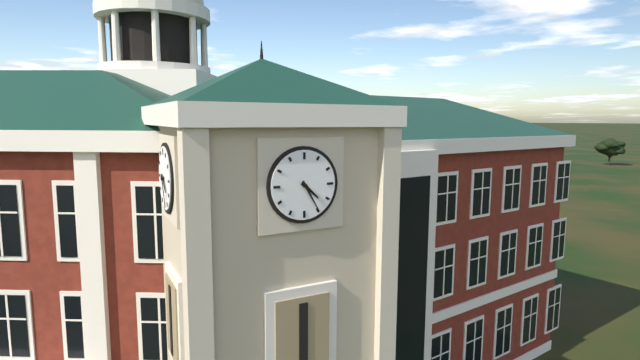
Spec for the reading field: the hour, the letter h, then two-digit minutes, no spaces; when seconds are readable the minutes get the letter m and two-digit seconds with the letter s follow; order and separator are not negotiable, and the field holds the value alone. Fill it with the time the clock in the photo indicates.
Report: 4h25
